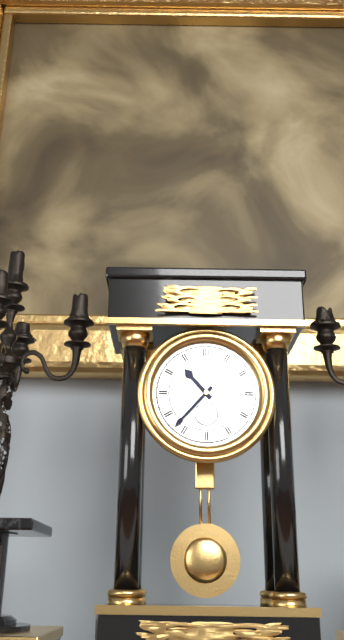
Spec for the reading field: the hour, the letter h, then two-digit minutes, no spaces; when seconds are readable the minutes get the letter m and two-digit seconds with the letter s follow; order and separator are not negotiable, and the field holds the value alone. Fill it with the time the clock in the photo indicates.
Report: 10h37
